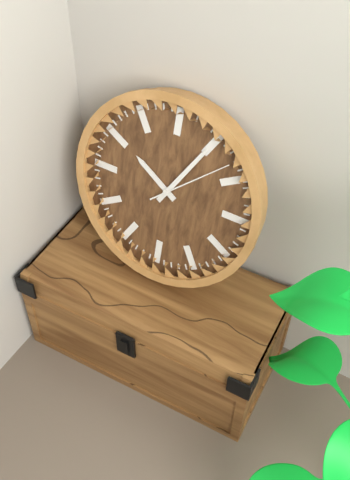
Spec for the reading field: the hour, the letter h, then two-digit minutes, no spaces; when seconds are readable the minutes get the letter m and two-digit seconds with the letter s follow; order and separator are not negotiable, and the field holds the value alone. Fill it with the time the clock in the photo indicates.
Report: 10h05m08s
